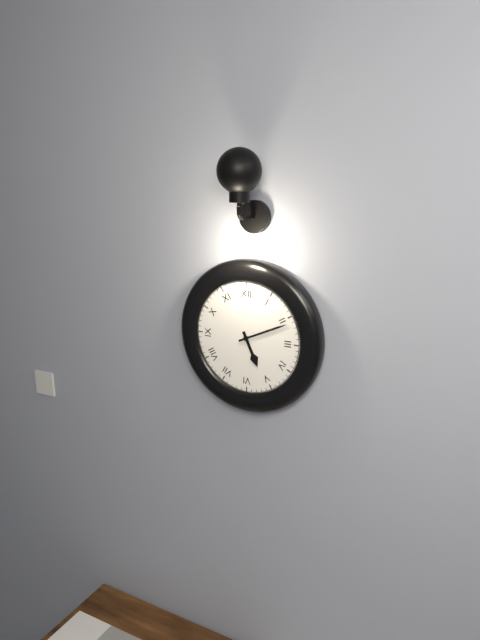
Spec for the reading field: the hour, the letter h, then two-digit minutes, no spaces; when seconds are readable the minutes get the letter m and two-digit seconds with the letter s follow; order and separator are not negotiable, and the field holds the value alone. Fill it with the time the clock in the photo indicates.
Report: 5h11
